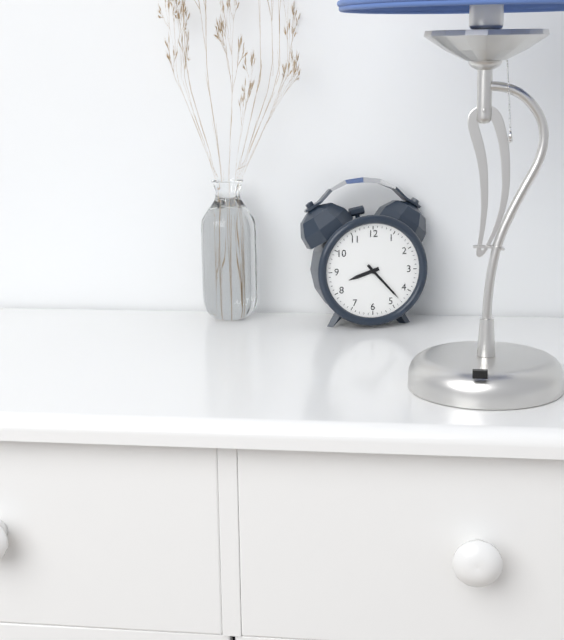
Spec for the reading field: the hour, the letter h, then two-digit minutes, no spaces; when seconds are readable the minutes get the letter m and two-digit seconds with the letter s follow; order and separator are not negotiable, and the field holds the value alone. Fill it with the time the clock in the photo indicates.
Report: 8h23
